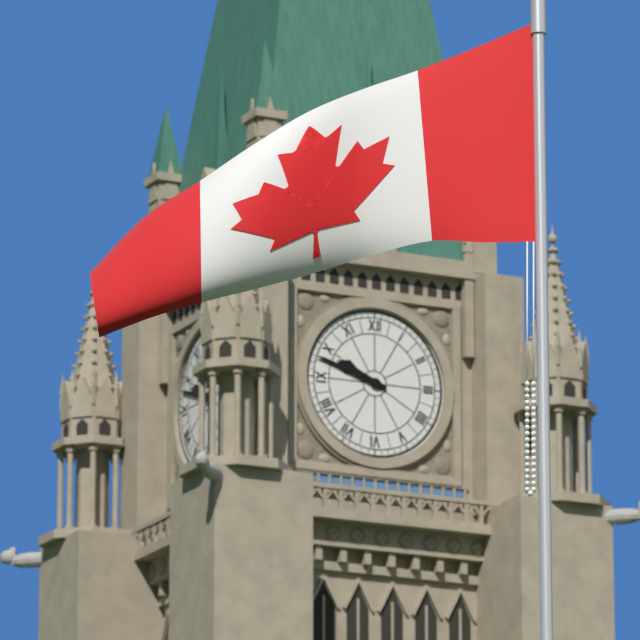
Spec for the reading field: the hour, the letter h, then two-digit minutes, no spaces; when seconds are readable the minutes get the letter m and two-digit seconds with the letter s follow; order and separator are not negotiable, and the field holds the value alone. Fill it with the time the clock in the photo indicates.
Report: 9h48
